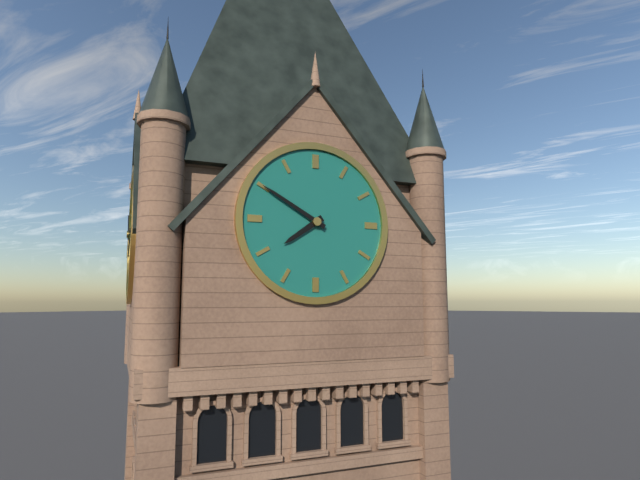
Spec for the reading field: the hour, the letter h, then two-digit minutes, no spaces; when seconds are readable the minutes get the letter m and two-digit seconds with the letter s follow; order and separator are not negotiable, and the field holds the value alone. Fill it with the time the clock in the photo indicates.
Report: 7h50
